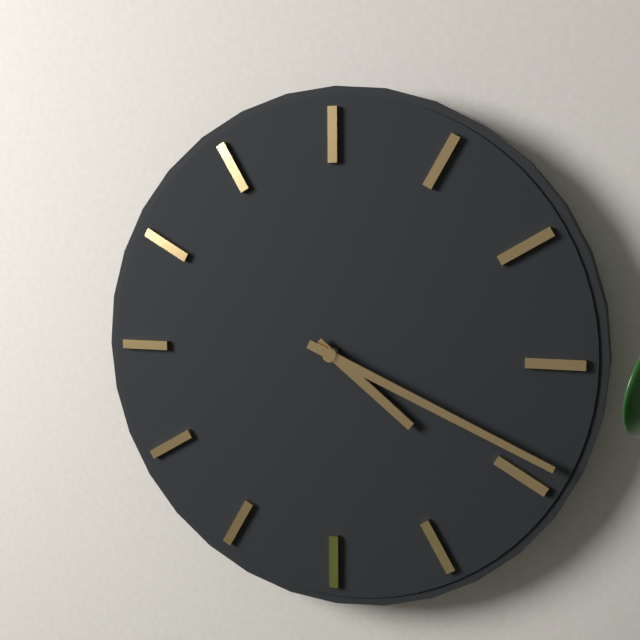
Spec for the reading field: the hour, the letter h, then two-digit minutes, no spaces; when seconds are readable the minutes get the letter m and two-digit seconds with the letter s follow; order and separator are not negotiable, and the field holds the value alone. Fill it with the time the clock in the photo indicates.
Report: 4h19
